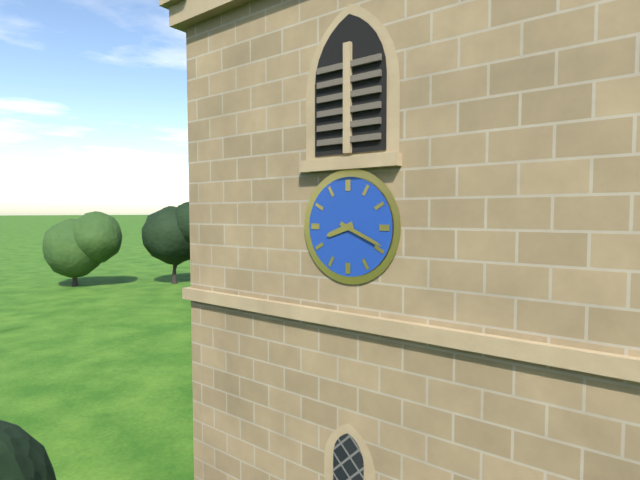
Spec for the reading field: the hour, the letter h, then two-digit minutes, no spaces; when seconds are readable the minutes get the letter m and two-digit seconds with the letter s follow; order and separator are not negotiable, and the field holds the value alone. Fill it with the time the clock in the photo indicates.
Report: 8h19
